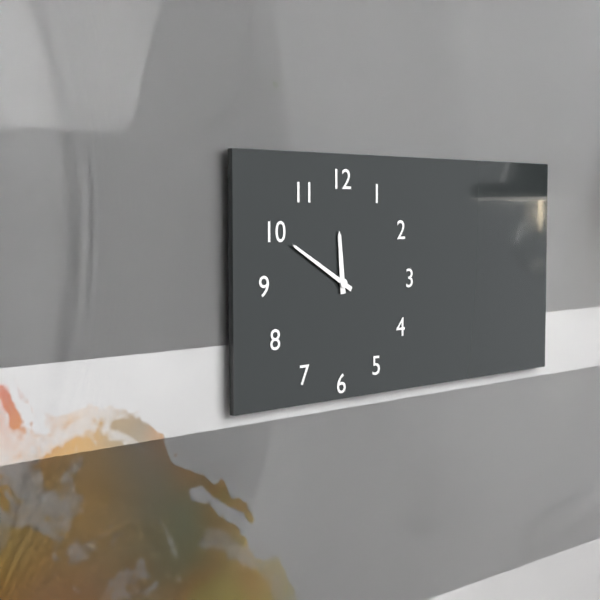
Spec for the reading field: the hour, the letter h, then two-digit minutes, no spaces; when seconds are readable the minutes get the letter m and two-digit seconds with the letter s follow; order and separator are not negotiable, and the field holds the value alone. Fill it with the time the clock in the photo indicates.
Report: 11h50
